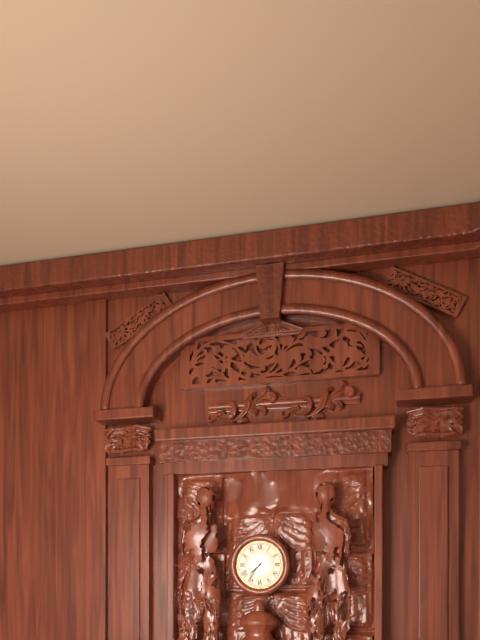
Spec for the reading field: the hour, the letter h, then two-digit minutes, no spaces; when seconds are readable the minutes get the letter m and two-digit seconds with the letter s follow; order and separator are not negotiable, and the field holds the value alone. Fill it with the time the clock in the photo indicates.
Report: 7h36
